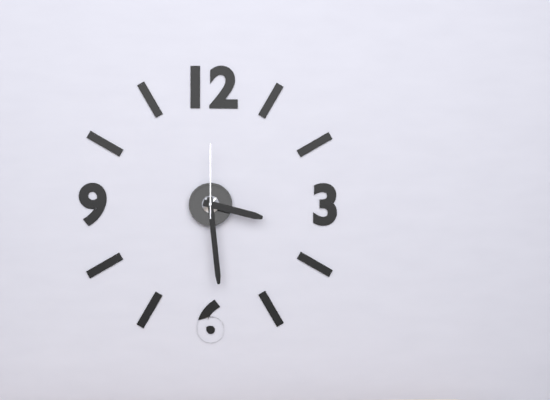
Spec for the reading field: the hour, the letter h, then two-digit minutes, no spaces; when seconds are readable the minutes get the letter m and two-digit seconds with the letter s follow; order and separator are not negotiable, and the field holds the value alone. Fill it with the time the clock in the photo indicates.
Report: 3h29m00s
